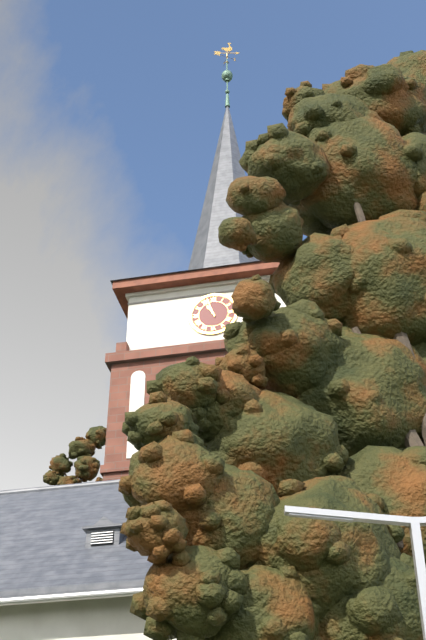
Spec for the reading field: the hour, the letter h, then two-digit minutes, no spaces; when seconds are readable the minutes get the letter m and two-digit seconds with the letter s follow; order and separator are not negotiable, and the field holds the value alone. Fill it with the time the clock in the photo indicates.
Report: 10h57
